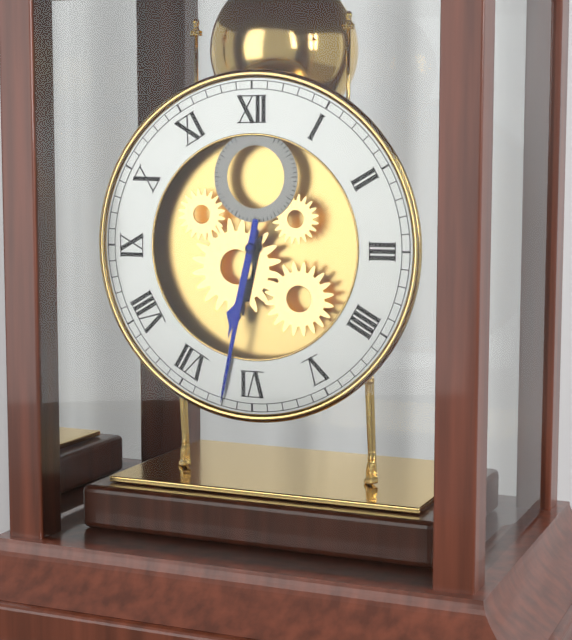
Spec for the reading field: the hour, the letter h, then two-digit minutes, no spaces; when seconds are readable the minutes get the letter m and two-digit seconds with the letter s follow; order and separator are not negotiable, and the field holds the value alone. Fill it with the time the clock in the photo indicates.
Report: 6h32
